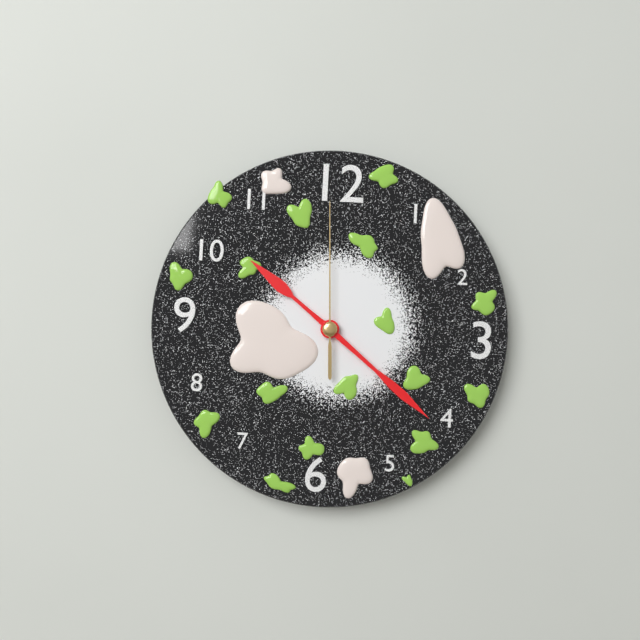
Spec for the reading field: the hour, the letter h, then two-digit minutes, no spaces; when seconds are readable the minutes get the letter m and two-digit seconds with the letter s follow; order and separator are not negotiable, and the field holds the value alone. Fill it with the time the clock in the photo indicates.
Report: 10h22m00s
